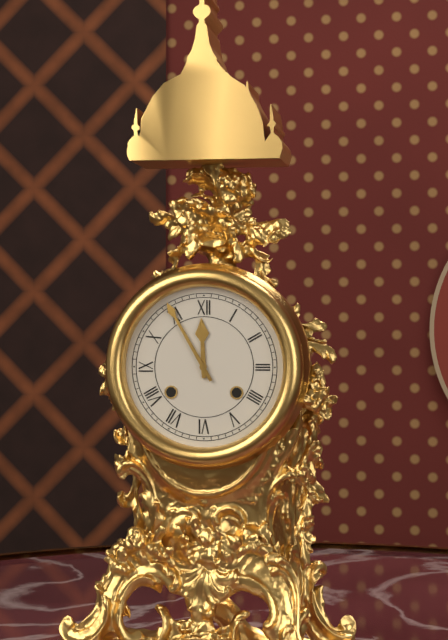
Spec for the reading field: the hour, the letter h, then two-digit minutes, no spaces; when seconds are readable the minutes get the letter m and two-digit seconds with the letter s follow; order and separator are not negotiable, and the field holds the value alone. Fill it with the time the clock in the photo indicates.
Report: 11h55
